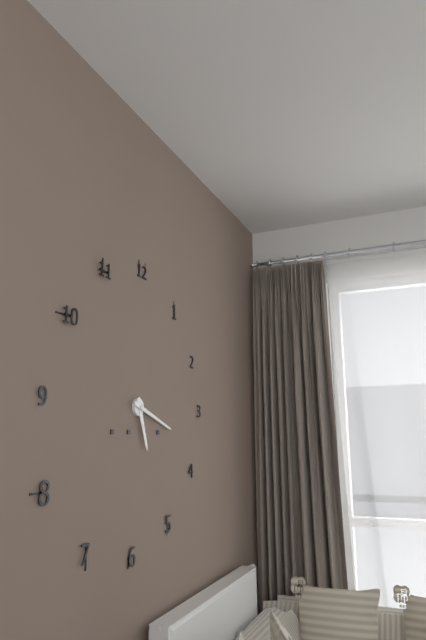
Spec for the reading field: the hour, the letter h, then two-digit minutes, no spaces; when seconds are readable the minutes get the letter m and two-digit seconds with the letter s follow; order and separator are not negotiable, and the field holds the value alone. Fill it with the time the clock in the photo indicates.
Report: 5h18
